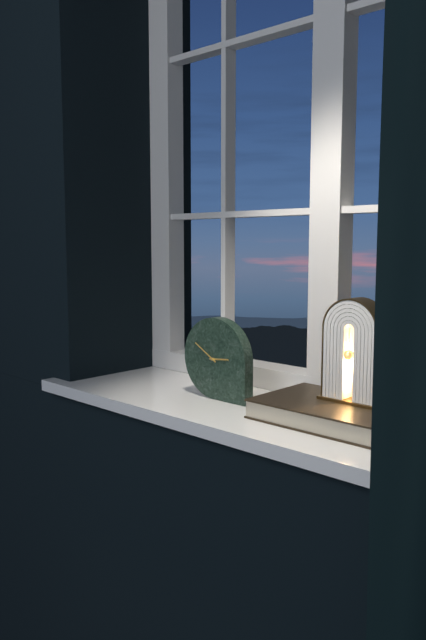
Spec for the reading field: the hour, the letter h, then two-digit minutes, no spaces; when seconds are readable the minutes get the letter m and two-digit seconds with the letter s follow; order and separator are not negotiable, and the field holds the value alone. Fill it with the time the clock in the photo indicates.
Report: 2h50
